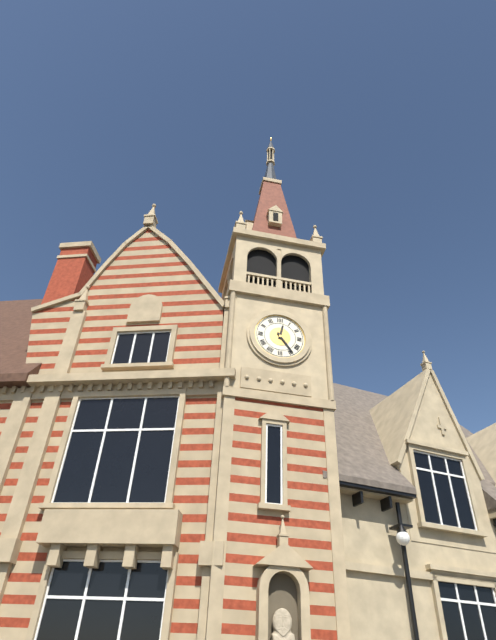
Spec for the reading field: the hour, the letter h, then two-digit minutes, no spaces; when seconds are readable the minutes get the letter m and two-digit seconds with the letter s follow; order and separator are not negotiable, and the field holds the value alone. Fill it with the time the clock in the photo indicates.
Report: 12h24
